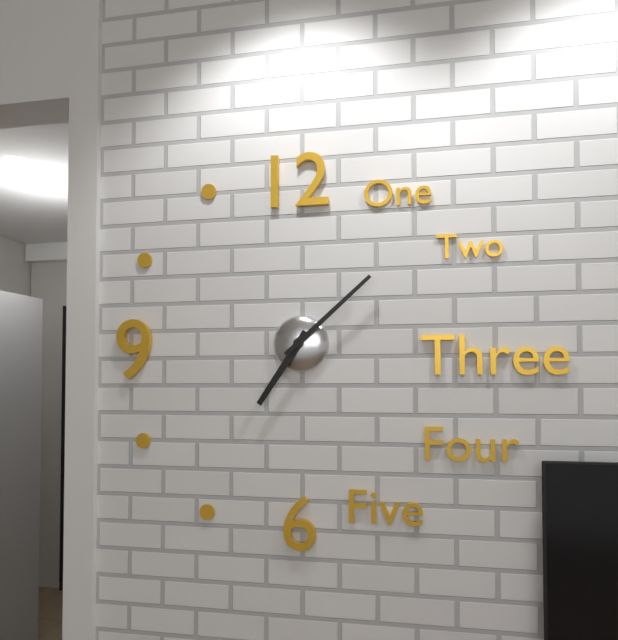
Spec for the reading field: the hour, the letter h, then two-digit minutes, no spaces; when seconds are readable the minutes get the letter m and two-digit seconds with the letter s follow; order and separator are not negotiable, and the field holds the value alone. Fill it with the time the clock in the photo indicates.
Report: 7h08
